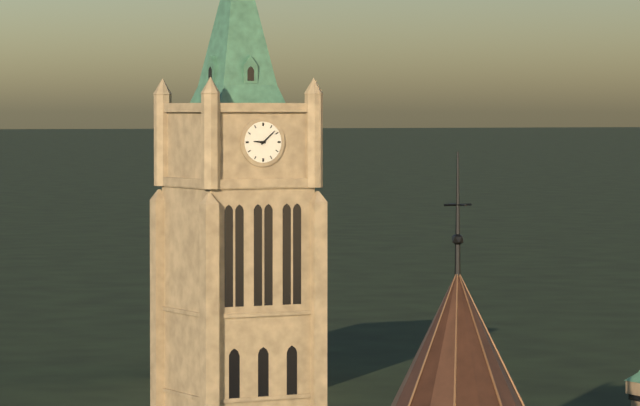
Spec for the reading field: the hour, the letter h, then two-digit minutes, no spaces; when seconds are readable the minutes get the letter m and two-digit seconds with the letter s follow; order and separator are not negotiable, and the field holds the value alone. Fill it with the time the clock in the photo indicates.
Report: 9h08
